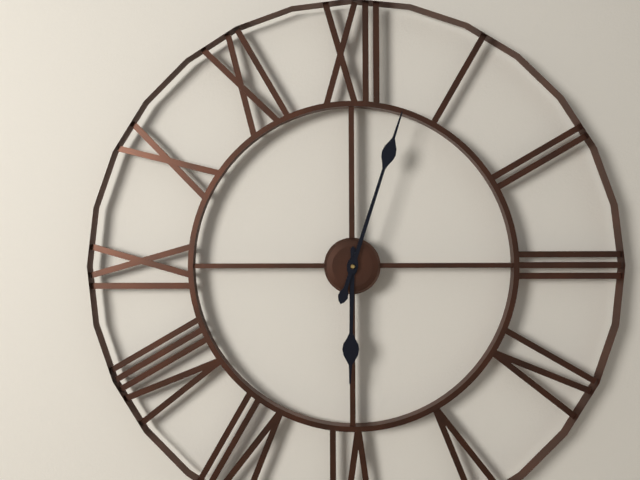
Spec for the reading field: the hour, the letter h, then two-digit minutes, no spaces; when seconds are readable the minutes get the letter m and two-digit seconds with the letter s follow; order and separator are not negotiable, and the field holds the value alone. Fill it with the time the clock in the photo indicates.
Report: 6h03
